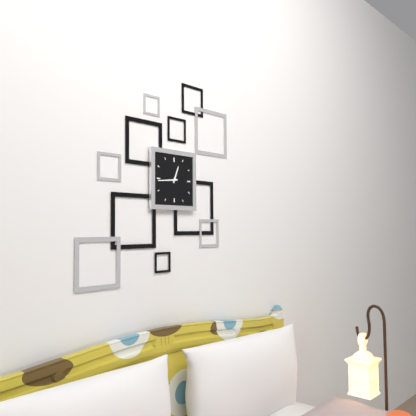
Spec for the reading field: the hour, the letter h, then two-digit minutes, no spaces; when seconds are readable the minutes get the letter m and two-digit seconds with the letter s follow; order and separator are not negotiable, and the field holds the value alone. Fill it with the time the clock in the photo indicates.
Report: 12h44
